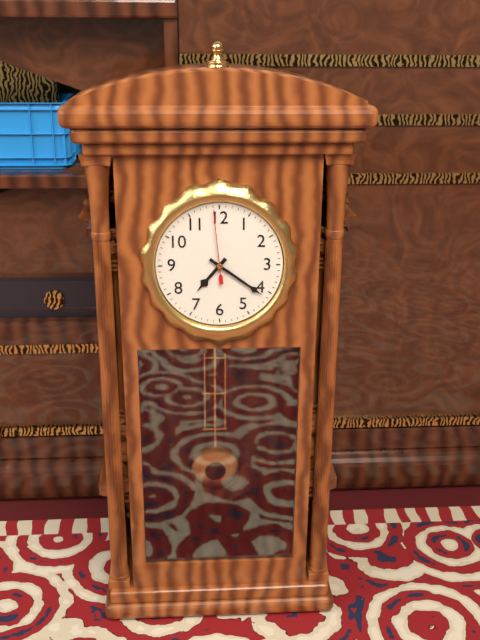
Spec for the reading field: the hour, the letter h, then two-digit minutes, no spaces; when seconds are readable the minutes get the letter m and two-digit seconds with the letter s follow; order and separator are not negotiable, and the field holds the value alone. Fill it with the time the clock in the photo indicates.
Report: 7h21m59s
